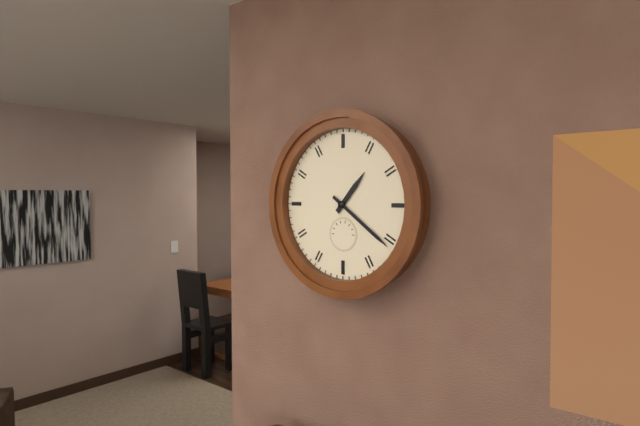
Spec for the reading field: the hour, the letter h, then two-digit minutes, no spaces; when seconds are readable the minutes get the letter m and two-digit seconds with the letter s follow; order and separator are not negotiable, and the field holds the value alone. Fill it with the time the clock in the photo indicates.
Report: 1h21
